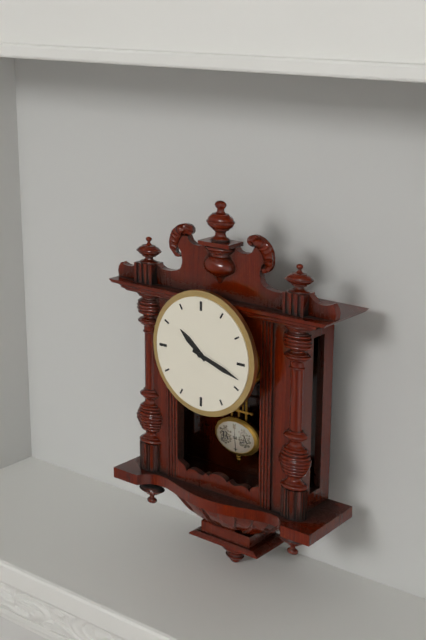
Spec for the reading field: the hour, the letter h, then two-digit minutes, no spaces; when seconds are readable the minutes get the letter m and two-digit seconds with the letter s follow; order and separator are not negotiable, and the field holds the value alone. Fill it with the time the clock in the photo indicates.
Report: 10h18
